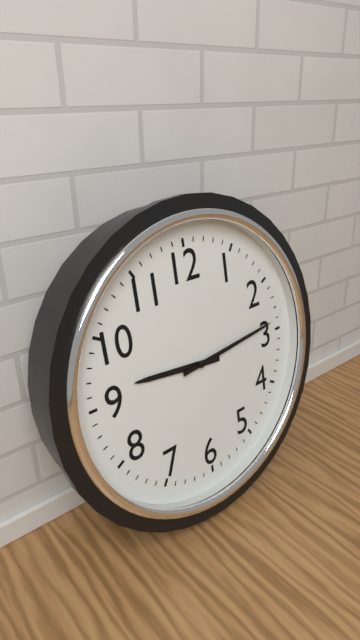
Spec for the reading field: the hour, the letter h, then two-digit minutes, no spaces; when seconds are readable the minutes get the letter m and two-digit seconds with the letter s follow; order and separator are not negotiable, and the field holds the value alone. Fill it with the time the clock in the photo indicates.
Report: 9h14
